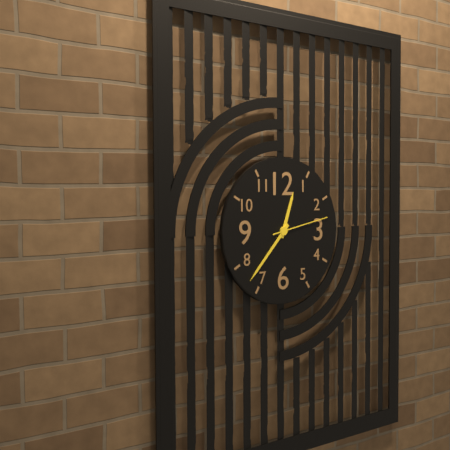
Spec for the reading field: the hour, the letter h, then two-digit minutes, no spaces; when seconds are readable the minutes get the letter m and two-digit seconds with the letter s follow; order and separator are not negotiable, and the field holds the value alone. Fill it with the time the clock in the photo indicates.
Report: 12h37m13s
